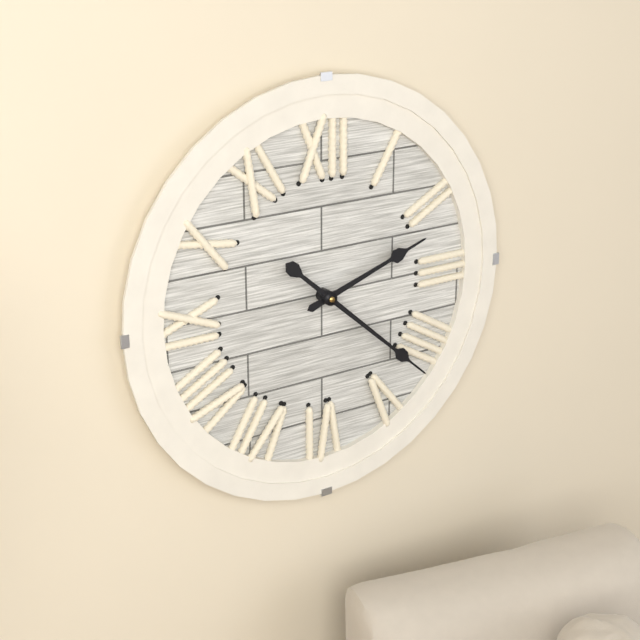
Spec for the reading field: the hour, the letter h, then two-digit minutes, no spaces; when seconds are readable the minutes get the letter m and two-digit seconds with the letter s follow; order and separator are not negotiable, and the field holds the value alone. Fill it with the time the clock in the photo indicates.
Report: 2h22
